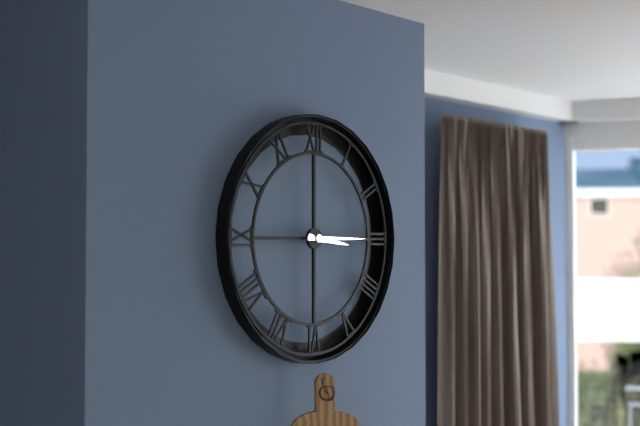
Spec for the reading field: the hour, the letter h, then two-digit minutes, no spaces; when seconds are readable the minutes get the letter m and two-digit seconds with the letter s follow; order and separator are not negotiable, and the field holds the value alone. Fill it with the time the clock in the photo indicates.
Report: 3h15
